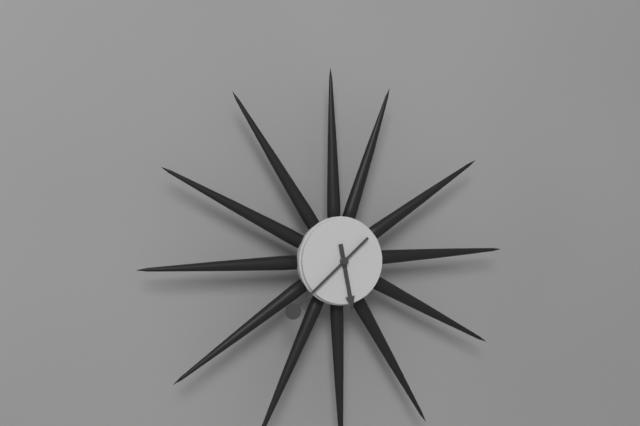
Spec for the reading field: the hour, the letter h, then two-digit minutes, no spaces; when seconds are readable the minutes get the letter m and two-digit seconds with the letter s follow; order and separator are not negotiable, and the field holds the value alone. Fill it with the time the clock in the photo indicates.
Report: 5h38
